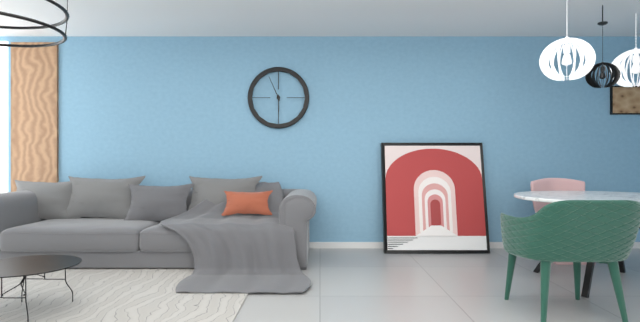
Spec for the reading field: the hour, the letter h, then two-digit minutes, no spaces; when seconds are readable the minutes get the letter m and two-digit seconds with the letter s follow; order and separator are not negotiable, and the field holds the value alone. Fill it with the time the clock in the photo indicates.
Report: 5h56
